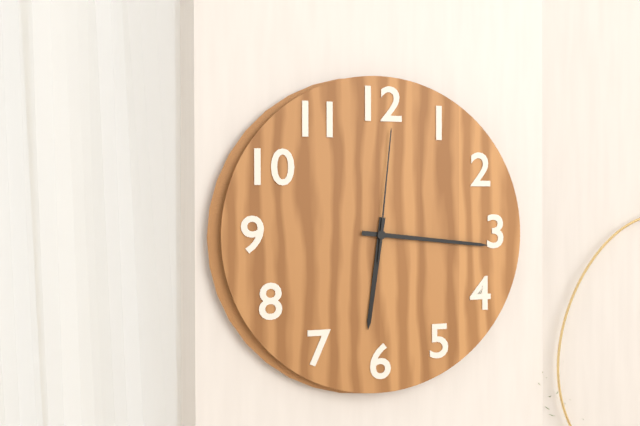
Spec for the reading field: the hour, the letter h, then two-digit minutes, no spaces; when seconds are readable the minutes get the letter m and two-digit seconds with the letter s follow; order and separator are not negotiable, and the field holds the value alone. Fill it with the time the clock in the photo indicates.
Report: 6h16m01s
